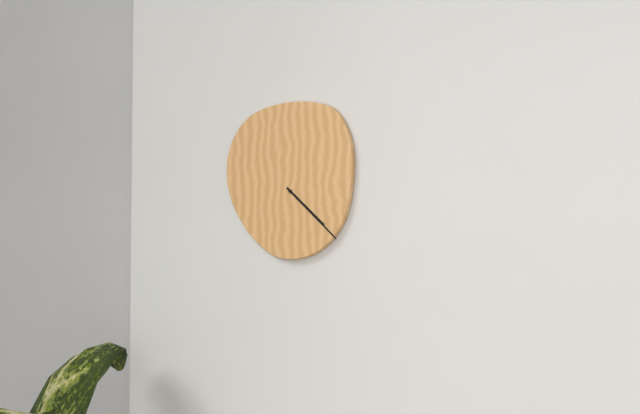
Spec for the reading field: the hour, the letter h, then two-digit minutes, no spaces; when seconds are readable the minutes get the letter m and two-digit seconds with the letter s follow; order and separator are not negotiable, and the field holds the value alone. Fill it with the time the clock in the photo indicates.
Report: 4h22
